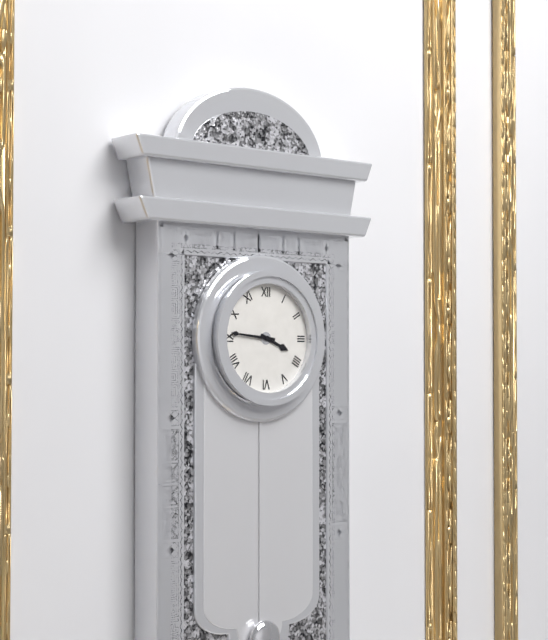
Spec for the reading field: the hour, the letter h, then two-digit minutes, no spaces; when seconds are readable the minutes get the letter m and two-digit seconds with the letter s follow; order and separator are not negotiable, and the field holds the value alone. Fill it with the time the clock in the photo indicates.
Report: 3h46
